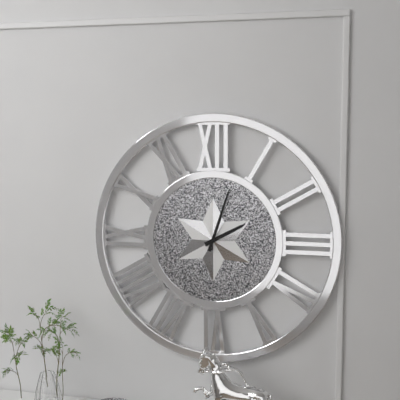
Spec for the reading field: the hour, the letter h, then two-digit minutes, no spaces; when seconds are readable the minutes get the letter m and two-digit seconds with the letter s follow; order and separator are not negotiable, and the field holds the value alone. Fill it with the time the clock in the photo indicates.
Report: 2h03
